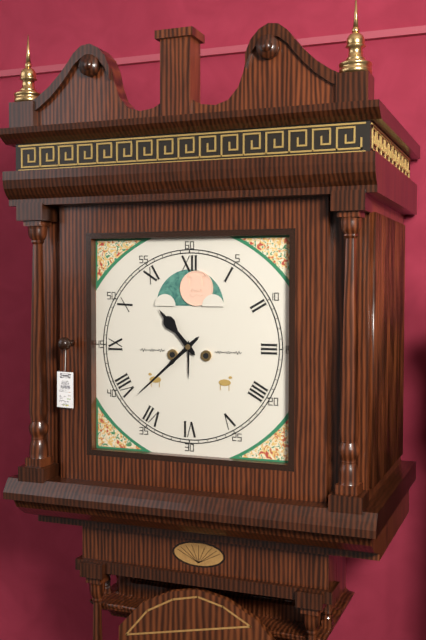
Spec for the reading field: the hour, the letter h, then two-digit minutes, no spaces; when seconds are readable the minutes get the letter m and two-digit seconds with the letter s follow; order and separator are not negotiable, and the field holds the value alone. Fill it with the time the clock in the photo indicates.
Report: 10h38
